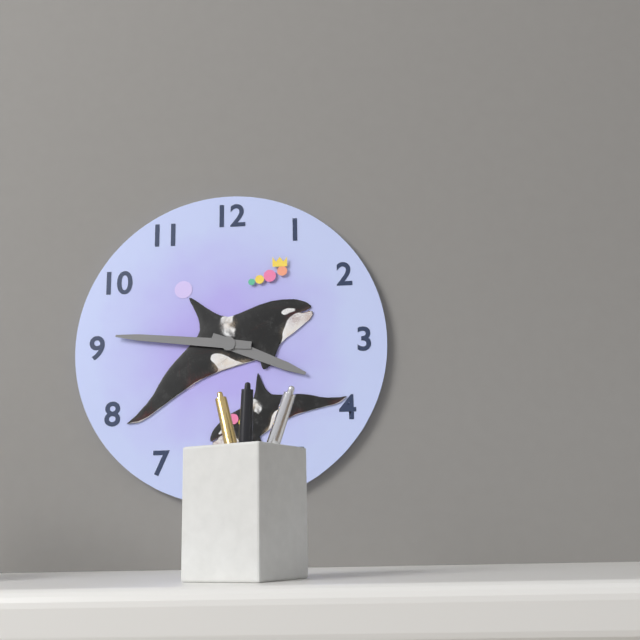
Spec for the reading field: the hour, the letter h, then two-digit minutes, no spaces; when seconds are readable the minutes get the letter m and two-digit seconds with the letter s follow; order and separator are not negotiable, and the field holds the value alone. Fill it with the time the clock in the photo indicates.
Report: 3h46
